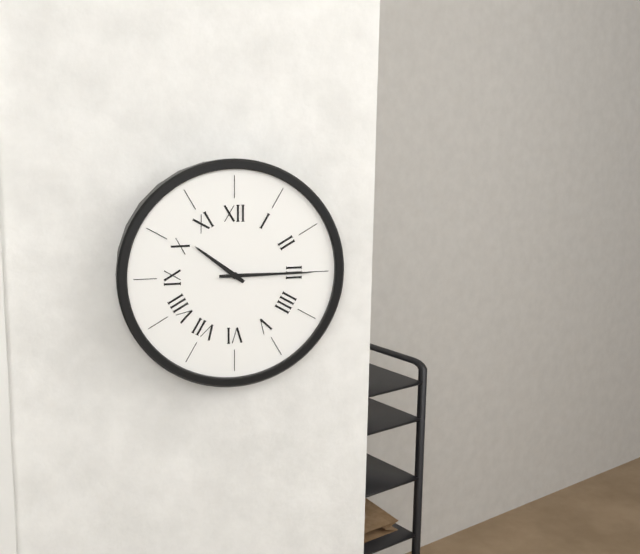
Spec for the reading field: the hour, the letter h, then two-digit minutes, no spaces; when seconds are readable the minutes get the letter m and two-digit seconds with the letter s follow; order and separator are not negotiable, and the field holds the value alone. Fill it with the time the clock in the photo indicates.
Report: 10h15
